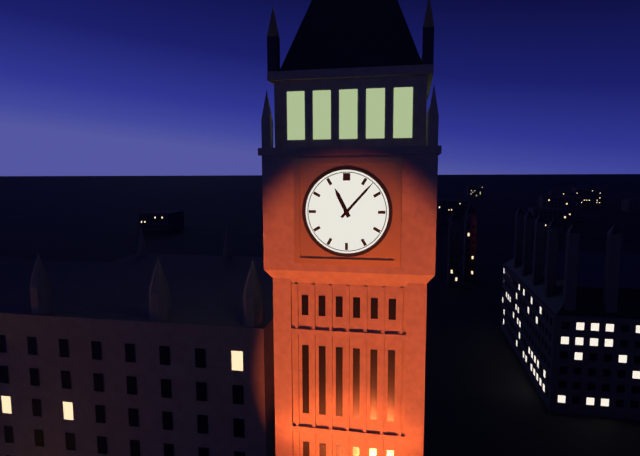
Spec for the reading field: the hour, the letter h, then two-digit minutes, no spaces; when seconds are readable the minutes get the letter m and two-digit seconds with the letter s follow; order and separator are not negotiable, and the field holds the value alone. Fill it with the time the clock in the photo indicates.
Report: 11h07
